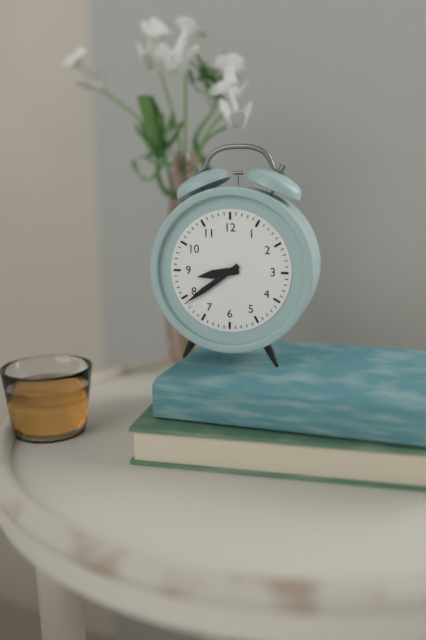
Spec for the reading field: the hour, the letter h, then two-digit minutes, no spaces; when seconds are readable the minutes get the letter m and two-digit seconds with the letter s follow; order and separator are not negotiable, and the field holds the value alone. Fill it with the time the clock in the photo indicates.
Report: 8h39
